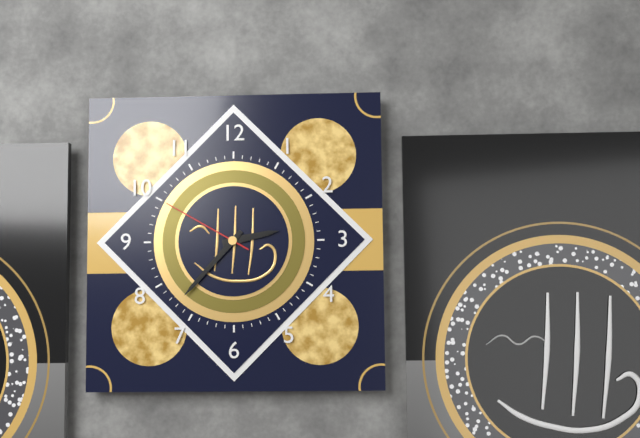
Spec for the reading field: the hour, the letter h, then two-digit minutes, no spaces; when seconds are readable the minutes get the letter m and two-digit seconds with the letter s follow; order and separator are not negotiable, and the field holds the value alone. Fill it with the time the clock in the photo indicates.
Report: 2h37m50s
